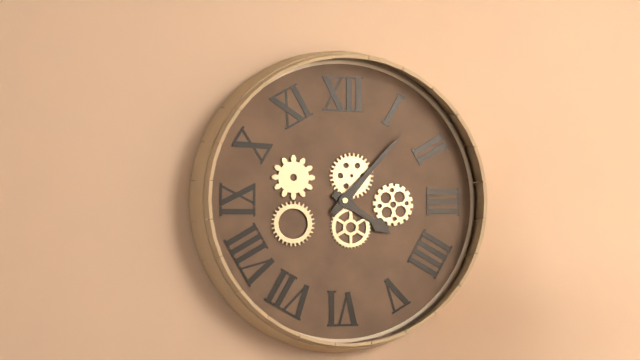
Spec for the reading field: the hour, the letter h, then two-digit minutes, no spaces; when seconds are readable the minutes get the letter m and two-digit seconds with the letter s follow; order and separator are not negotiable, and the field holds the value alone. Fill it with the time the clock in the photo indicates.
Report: 4h07
